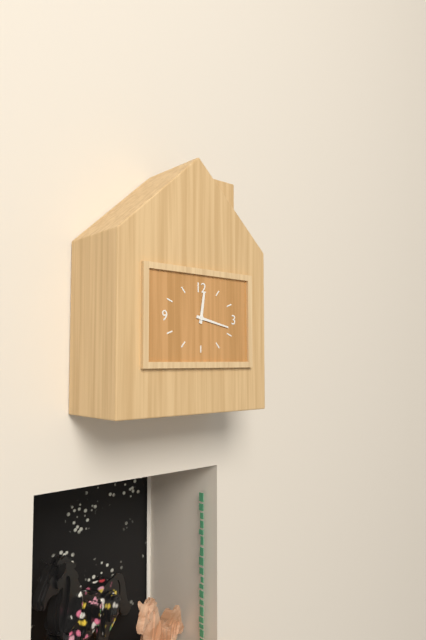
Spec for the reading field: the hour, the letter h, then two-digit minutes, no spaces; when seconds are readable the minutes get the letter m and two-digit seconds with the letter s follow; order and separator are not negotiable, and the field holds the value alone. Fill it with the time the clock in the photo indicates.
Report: 12h17
